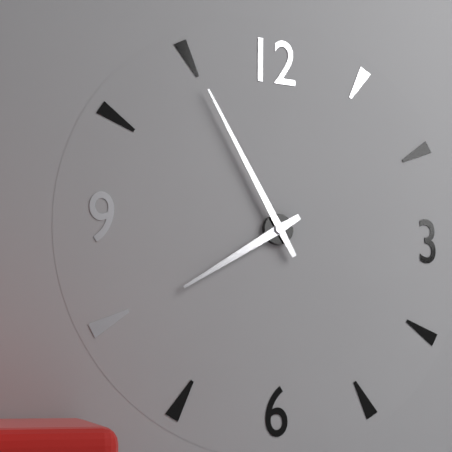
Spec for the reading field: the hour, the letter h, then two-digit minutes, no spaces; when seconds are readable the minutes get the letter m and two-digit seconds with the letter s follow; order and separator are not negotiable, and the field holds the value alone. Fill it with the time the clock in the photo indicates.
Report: 7h55
